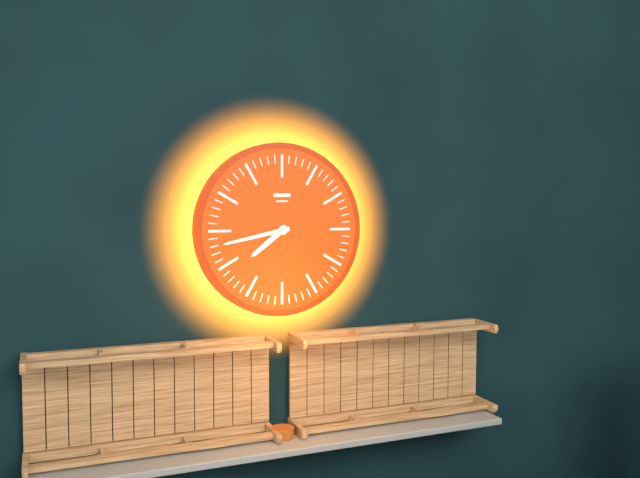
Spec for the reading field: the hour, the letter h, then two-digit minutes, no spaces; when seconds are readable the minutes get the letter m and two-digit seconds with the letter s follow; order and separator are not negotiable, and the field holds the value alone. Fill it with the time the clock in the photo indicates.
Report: 7h43
